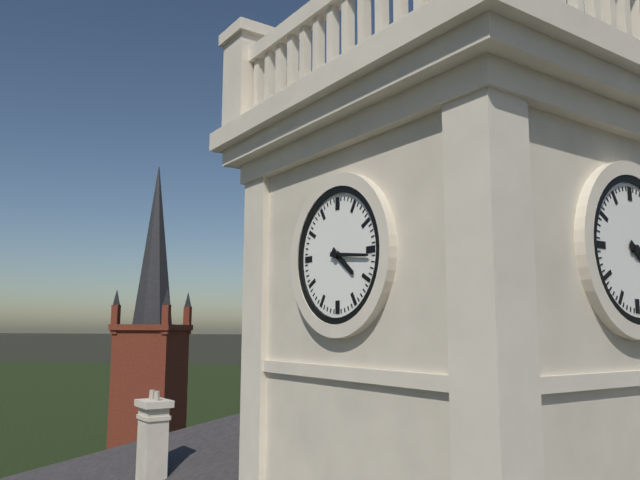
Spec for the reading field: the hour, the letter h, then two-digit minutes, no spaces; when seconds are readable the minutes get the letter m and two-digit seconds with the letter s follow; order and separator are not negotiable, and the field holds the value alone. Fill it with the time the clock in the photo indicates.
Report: 4h16
